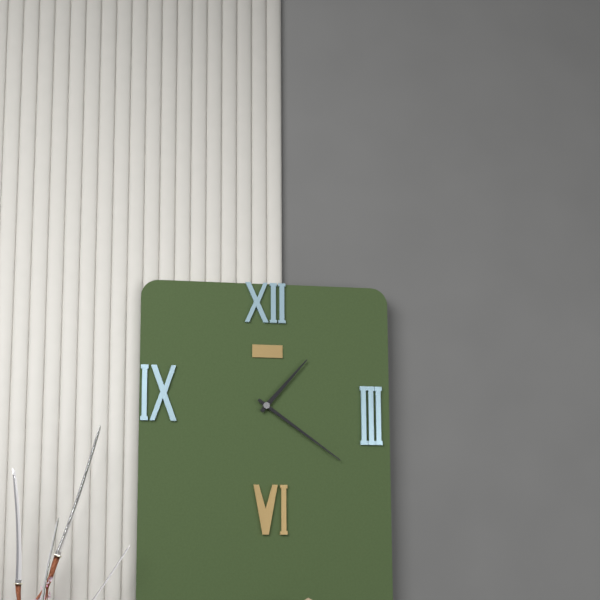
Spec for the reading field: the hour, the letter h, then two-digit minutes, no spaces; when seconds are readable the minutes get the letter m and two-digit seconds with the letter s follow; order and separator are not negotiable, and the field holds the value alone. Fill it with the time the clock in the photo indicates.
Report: 1h21
